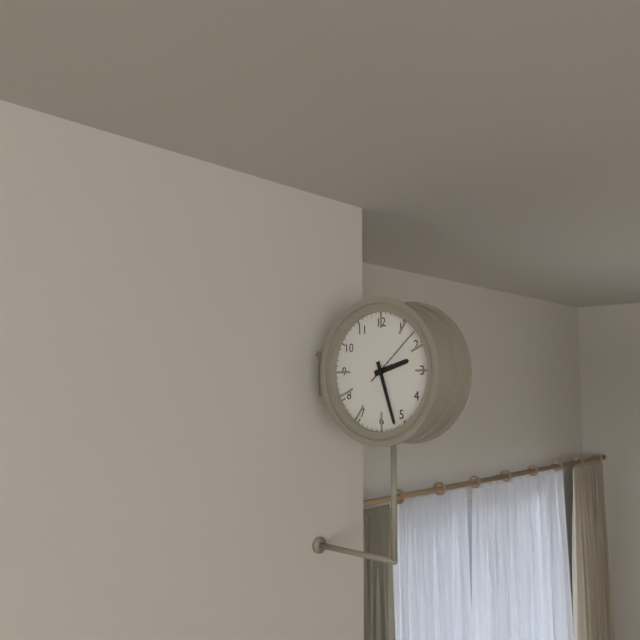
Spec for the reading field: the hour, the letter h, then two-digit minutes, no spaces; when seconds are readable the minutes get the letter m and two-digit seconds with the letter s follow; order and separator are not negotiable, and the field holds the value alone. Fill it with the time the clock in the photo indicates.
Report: 2h27m08s
